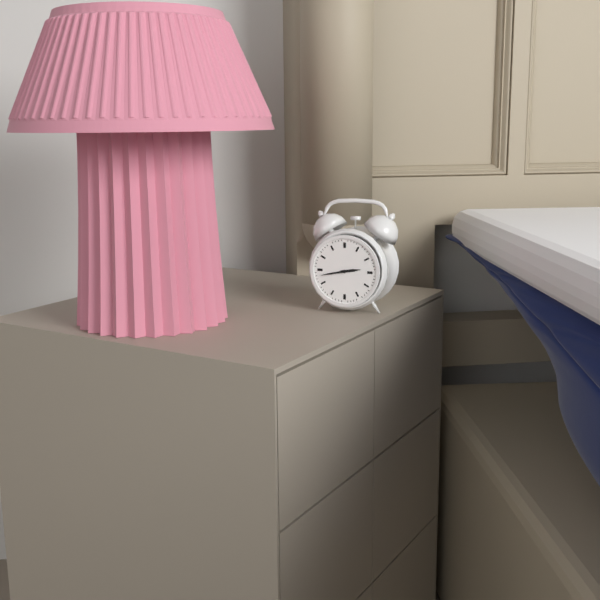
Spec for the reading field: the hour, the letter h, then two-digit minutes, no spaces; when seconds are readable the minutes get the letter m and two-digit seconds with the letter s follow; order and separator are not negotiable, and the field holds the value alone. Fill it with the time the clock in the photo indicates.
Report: 2h43
